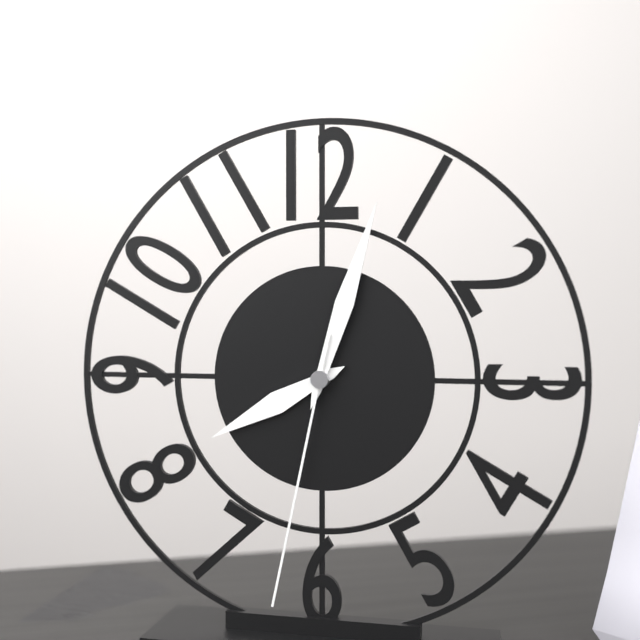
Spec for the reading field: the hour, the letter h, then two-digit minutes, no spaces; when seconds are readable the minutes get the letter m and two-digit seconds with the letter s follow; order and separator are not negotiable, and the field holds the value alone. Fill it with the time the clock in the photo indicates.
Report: 8h03m32s
